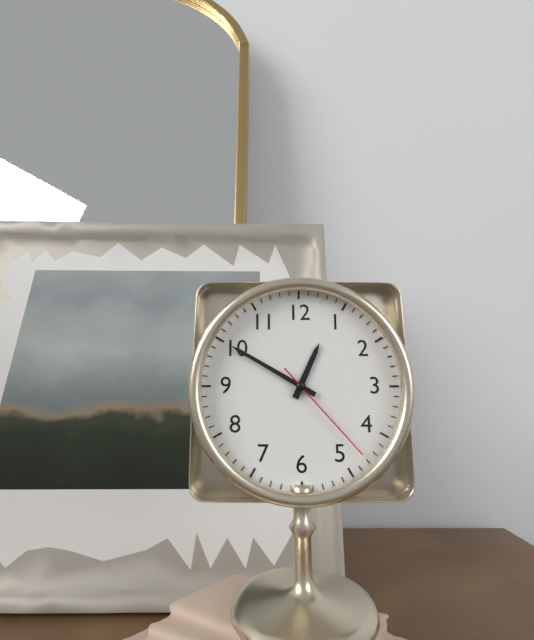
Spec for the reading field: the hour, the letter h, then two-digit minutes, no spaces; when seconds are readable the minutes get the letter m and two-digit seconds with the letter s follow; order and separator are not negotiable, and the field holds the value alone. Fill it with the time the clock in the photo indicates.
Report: 12h50m23s
